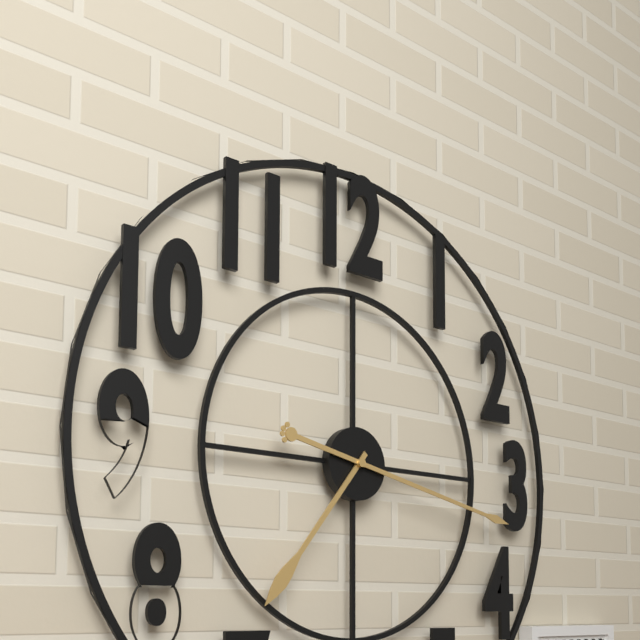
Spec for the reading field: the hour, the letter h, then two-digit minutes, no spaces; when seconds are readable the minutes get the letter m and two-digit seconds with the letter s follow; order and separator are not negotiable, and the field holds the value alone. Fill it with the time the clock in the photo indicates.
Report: 7h17
